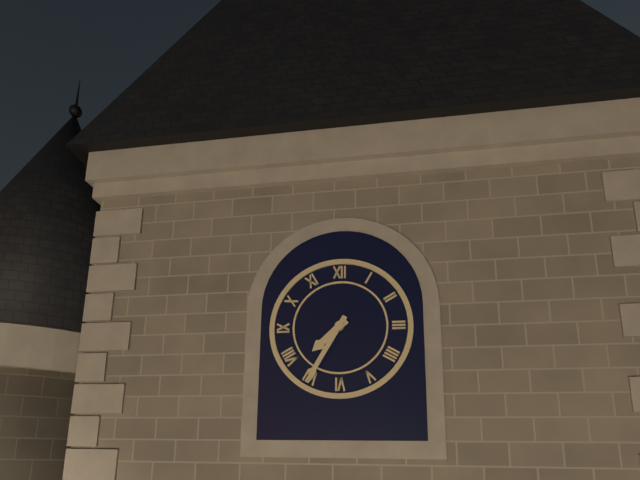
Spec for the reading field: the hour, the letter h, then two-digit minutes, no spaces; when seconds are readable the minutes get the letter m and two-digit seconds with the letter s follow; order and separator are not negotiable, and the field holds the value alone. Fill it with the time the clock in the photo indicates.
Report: 7h35
